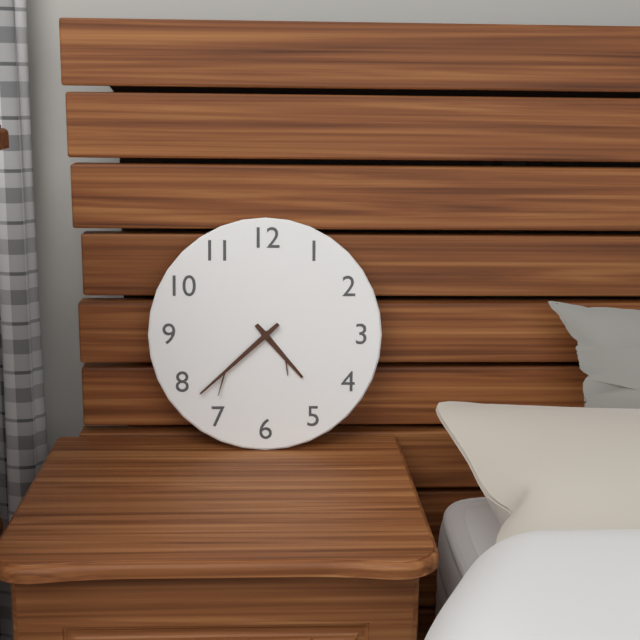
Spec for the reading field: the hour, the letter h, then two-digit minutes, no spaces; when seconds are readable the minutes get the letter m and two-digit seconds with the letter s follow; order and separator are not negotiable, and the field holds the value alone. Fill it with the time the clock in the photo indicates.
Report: 4h38
